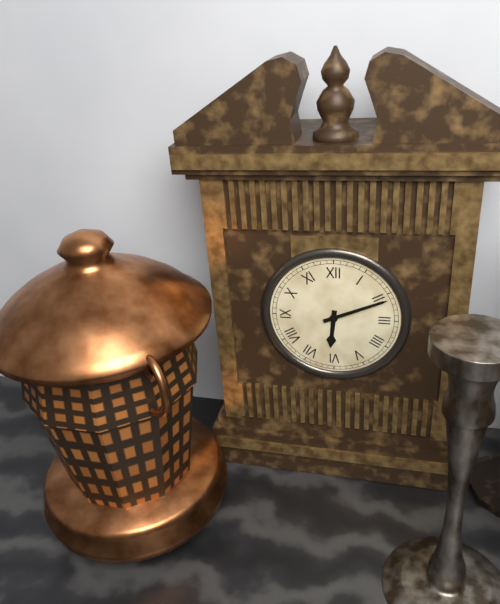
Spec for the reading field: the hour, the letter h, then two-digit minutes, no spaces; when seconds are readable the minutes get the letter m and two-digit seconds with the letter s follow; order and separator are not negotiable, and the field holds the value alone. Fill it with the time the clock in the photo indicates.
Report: 6h11
